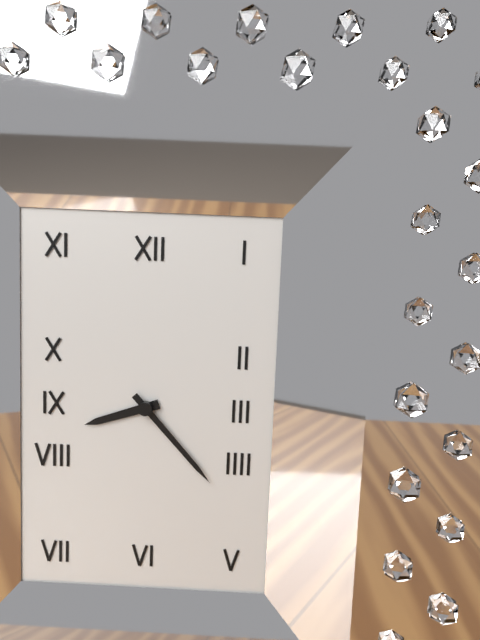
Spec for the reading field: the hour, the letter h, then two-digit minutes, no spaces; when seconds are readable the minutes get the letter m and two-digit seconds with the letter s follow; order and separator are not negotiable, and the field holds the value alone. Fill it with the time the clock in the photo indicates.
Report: 8h23
